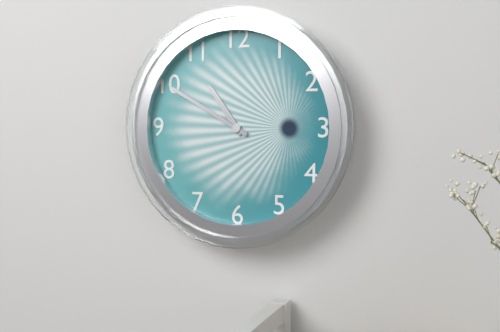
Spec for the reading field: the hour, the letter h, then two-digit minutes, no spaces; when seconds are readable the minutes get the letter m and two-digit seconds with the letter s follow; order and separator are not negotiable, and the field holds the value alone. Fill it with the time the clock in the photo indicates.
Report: 10h50
